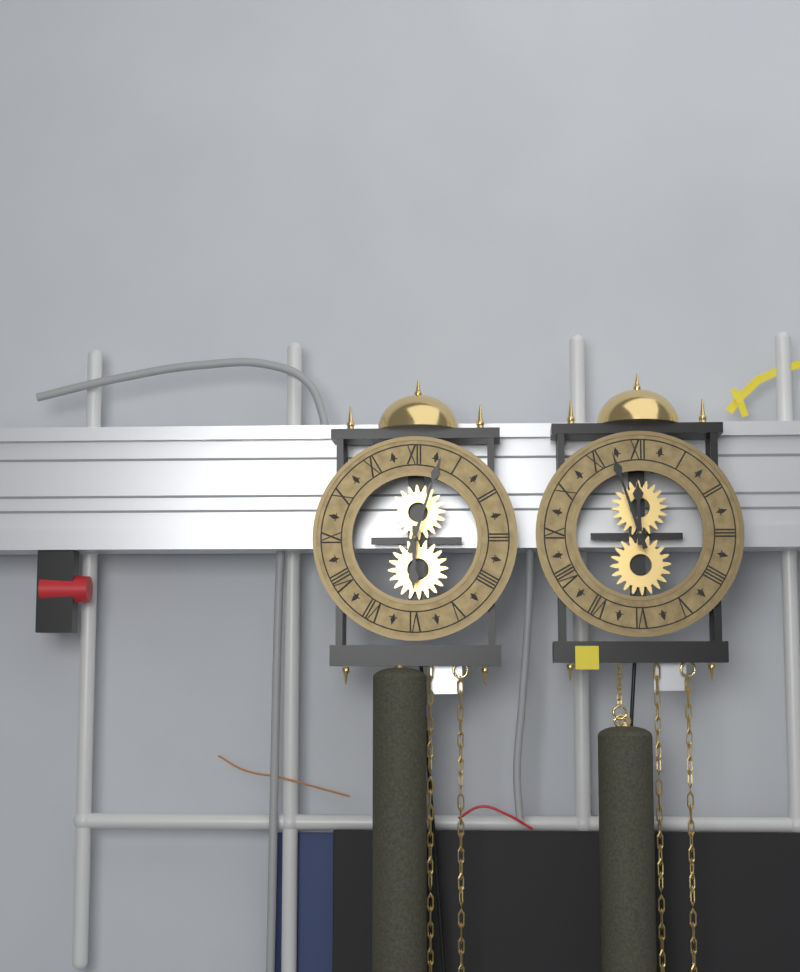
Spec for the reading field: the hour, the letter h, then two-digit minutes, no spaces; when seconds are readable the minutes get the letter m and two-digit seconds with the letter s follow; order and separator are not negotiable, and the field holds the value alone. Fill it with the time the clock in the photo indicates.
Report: 6h03
